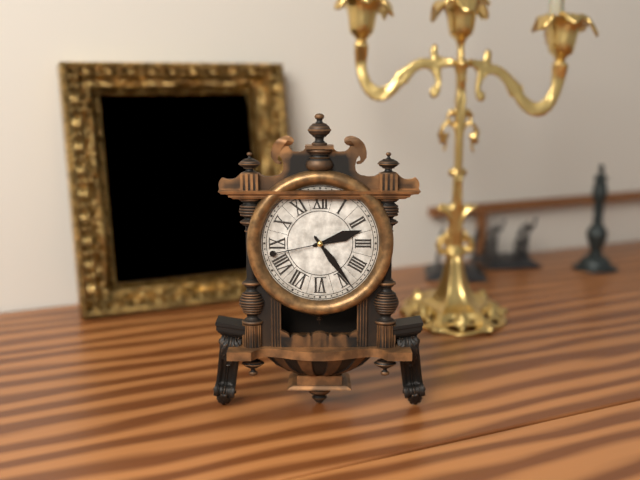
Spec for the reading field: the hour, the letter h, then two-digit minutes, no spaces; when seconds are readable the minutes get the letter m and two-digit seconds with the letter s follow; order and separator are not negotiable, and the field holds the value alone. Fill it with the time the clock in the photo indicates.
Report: 2h24m43s
